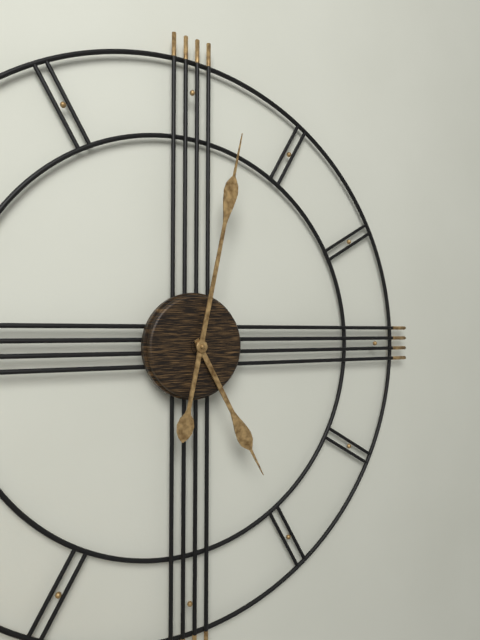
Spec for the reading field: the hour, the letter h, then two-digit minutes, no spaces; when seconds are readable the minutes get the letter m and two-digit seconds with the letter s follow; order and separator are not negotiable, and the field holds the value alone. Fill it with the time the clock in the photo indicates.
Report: 5h02
